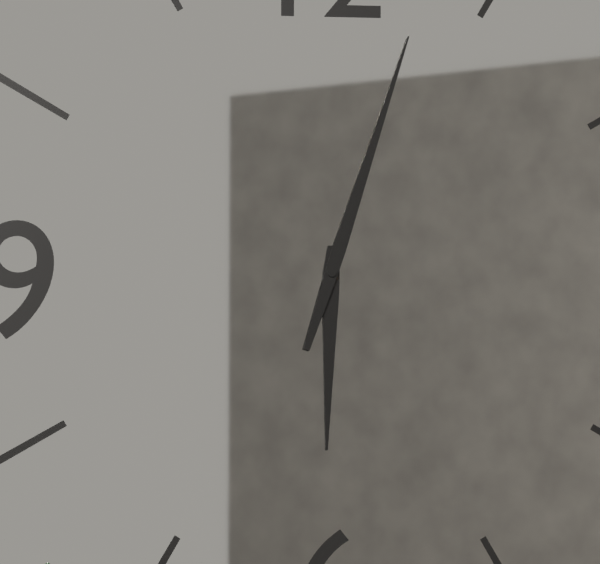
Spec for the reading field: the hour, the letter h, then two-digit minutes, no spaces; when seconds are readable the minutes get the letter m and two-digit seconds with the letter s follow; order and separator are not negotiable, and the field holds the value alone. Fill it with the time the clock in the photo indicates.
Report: 6h03
